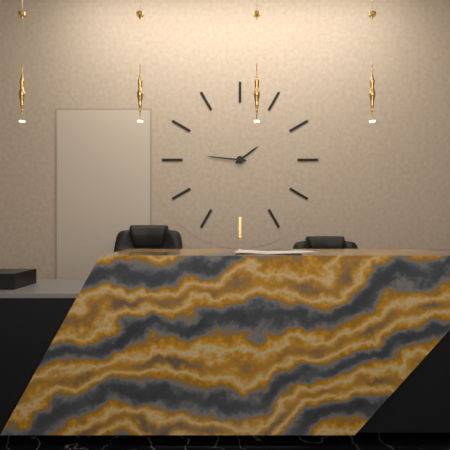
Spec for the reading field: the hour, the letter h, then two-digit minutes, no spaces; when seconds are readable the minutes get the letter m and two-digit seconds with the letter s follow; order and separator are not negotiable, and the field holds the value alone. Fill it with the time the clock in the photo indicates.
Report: 1h46
